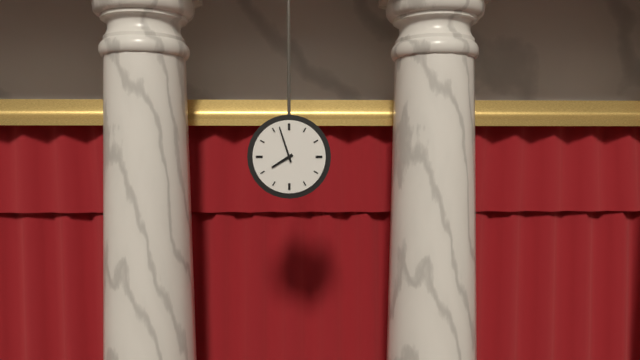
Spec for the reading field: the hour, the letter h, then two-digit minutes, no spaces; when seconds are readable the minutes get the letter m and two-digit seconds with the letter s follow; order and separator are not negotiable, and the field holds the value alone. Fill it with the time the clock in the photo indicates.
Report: 7h57
